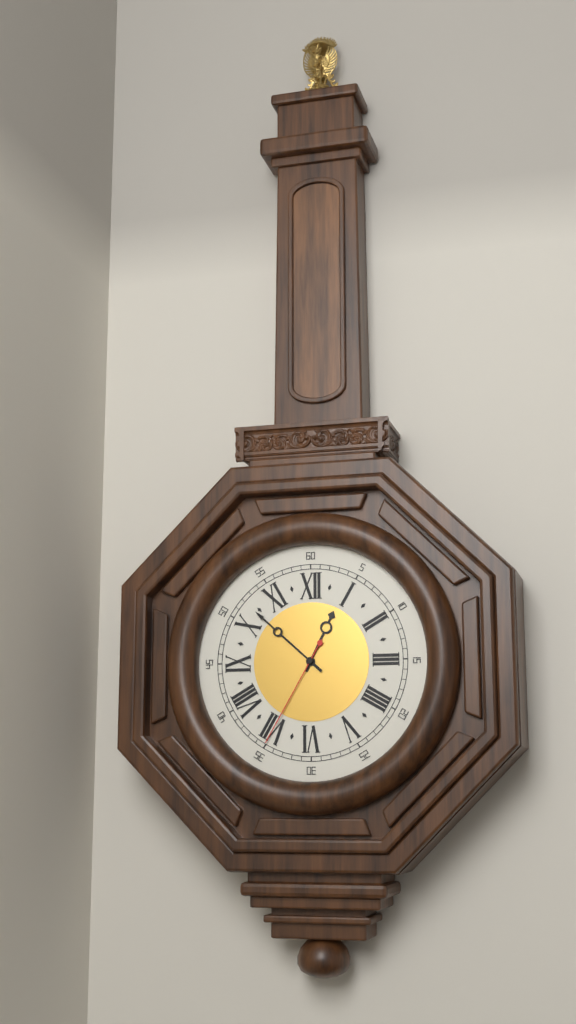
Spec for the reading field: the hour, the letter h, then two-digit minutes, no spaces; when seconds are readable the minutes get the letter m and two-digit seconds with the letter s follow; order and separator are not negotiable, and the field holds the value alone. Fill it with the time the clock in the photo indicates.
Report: 12h52m35s
